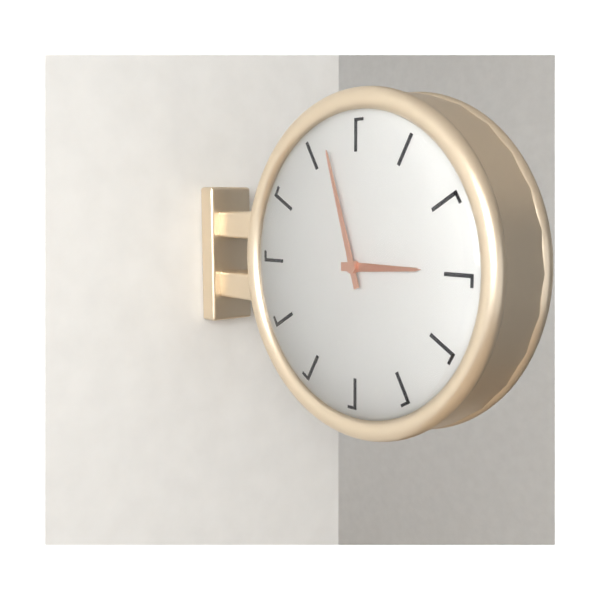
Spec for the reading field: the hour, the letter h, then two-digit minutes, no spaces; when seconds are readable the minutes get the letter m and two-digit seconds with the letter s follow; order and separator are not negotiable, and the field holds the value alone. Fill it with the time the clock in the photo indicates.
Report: 2h57
